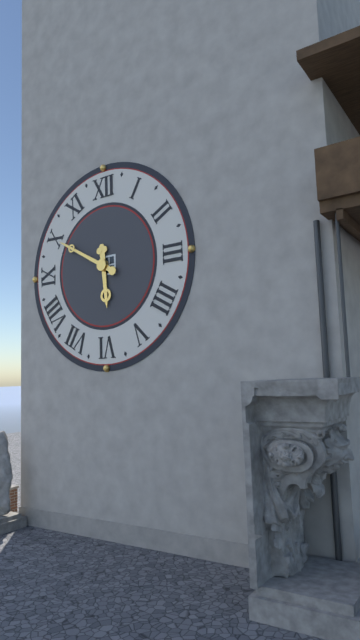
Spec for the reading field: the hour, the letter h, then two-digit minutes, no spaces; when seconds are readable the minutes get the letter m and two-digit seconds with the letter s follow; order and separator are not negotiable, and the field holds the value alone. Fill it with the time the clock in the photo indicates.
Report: 5h50
